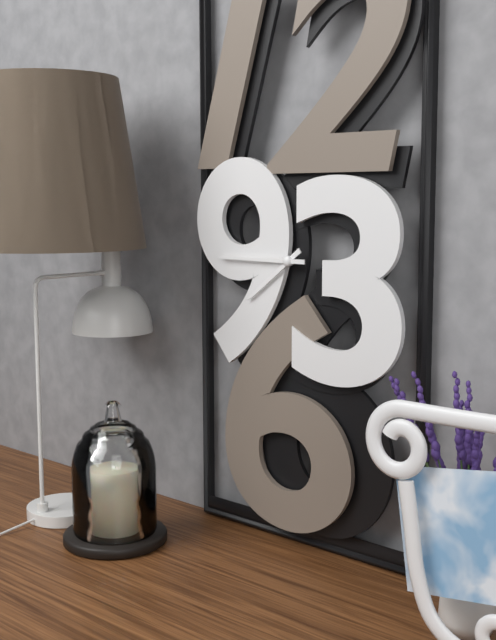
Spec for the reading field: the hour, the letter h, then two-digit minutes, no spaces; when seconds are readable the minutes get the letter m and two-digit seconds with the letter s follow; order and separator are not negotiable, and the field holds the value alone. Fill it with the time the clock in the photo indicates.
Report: 7h45
